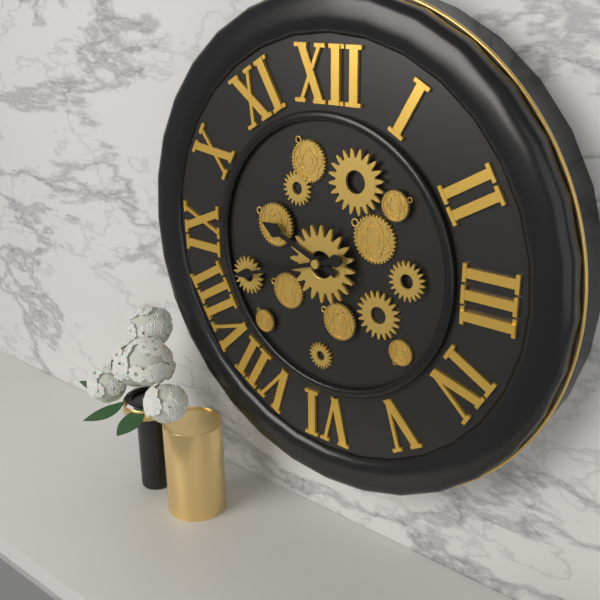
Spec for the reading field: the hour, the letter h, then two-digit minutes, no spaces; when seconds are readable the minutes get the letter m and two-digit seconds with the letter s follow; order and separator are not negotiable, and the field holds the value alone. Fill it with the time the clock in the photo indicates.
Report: 9h42
